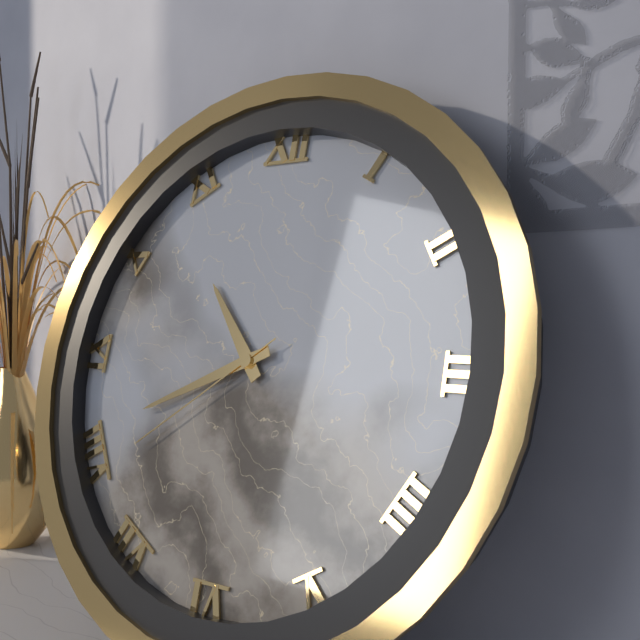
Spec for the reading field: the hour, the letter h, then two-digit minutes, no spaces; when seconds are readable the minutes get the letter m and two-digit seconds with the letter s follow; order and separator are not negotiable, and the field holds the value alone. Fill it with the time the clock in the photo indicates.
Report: 10h41m39s
